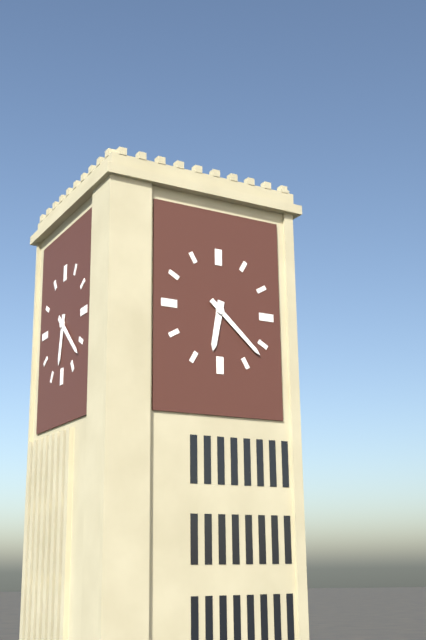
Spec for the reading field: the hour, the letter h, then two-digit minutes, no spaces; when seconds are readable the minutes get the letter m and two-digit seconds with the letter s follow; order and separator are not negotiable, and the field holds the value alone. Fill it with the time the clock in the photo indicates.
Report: 6h22
